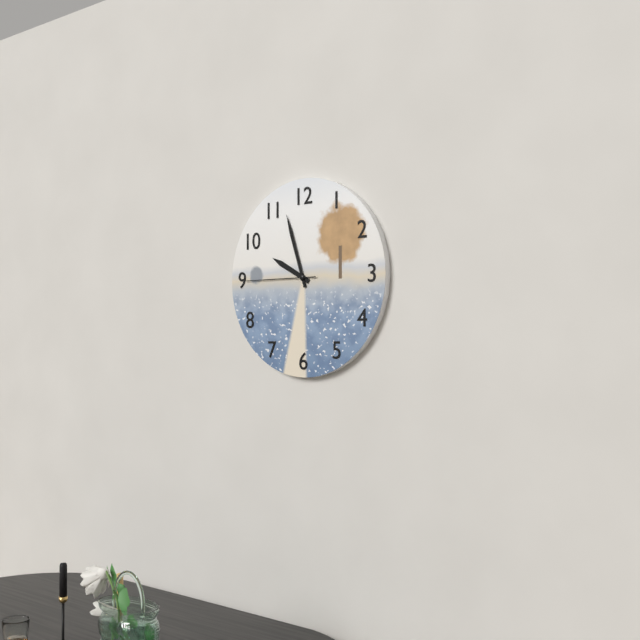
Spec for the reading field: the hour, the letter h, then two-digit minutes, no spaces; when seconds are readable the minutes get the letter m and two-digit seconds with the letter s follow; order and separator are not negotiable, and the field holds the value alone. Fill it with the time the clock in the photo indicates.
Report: 9h57m45s
